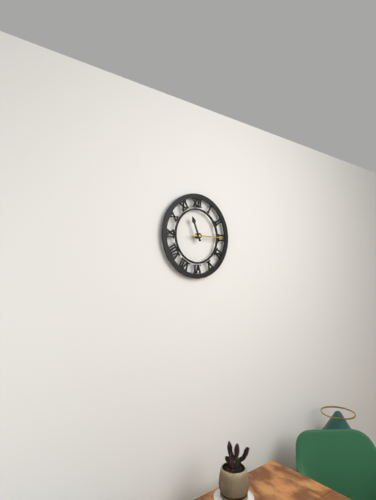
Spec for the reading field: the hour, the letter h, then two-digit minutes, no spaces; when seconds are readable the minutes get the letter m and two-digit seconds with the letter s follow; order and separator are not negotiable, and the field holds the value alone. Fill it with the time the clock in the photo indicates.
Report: 11h15
